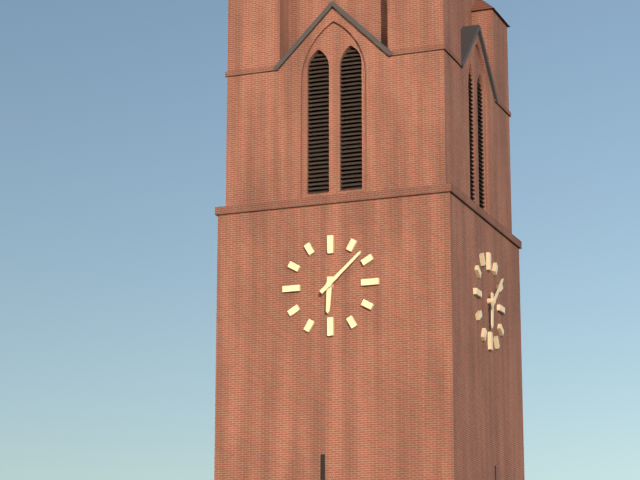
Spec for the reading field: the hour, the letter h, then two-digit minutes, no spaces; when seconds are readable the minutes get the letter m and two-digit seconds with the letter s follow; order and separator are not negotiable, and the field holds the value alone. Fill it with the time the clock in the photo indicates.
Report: 6h08
